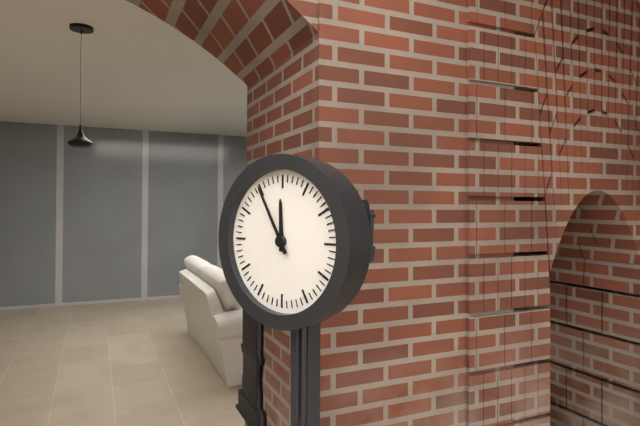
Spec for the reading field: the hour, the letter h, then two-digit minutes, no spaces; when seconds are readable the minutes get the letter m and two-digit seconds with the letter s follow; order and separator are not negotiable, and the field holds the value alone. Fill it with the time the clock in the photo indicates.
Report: 11h55
